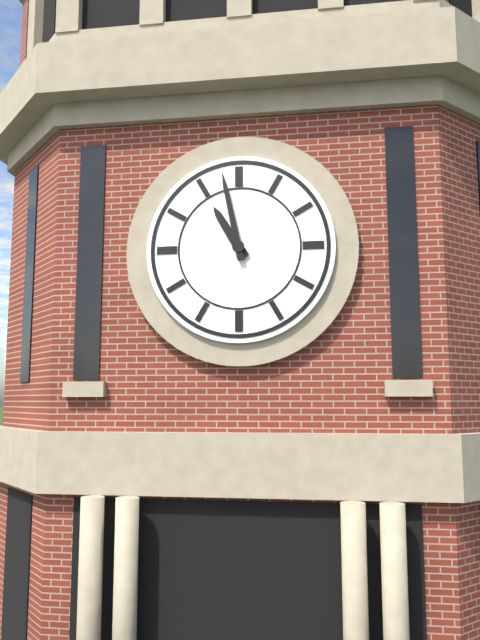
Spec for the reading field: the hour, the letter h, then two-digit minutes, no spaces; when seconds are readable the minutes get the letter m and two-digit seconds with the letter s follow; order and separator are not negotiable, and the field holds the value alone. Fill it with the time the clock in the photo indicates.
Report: 10h58
